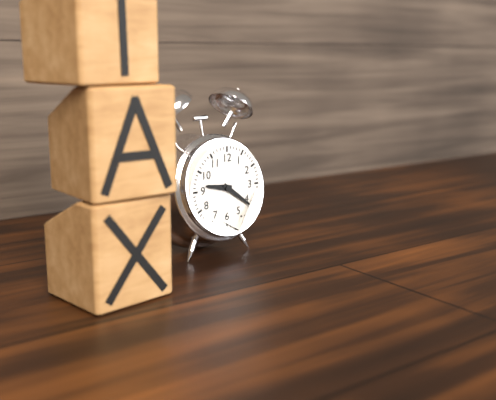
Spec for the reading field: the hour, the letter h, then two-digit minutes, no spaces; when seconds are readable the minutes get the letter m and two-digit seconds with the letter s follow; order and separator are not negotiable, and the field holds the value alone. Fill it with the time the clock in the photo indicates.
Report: 9h21
